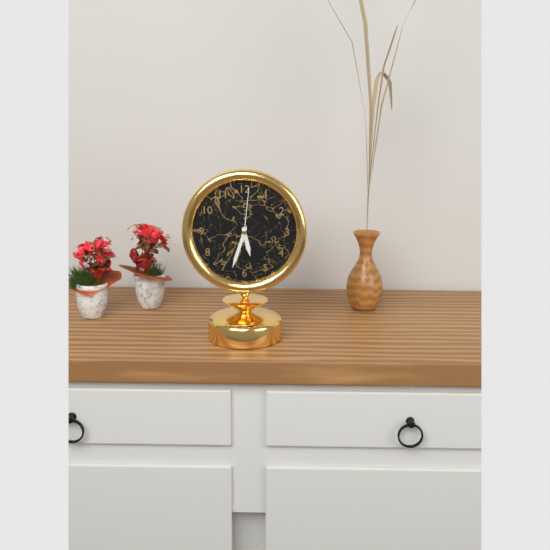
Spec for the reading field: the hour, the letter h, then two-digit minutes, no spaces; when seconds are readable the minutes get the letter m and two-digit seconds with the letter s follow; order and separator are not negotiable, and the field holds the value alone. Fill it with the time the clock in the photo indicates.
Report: 5h33m01s
